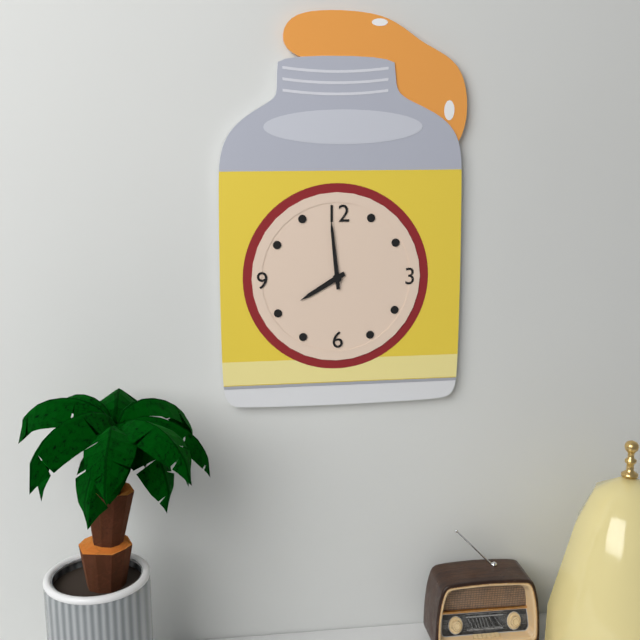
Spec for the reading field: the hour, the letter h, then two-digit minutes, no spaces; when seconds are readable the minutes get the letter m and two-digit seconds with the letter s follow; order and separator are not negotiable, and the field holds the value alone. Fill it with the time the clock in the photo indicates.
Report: 7h59
